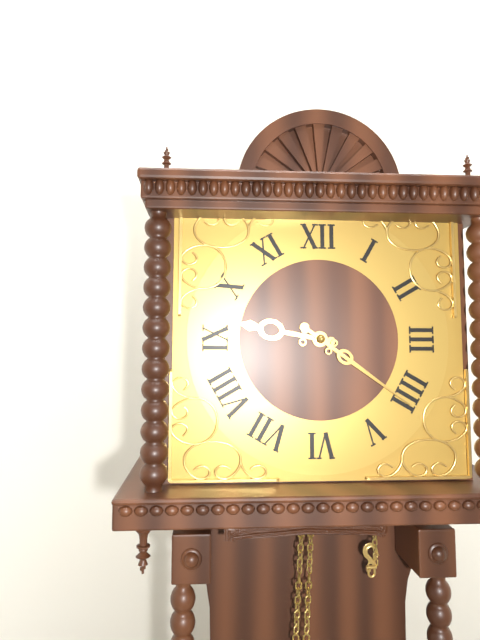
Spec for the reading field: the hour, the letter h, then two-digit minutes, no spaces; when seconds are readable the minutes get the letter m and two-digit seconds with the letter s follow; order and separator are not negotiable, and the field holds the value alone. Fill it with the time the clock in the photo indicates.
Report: 9h21
